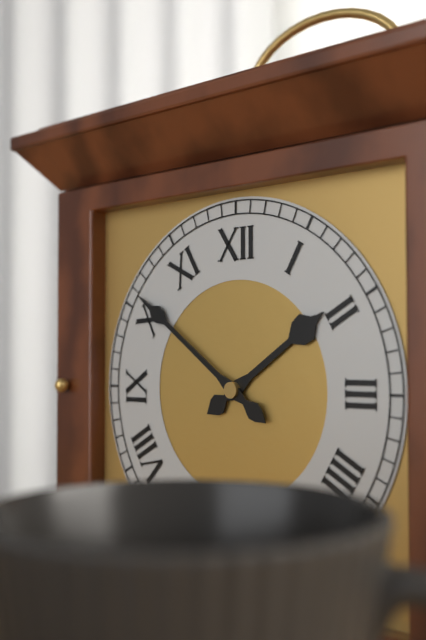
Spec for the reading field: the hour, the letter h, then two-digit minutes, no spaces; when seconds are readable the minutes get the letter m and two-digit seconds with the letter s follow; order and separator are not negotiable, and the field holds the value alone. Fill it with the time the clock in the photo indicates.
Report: 1h51
